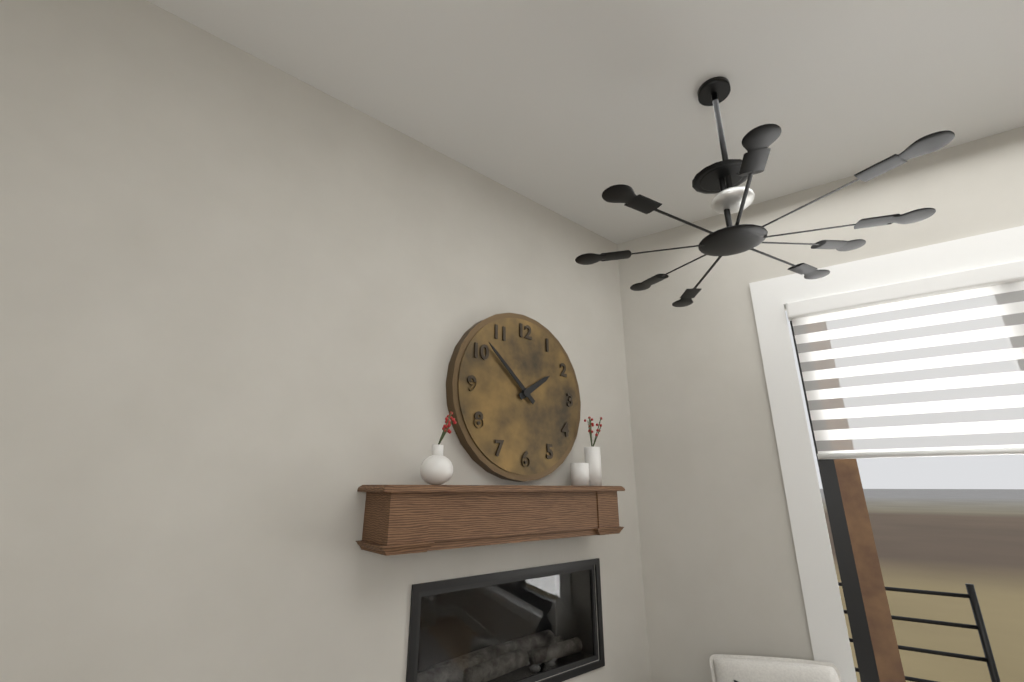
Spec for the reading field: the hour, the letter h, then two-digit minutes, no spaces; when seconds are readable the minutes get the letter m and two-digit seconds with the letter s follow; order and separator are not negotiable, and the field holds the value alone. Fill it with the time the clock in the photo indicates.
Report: 1h52
